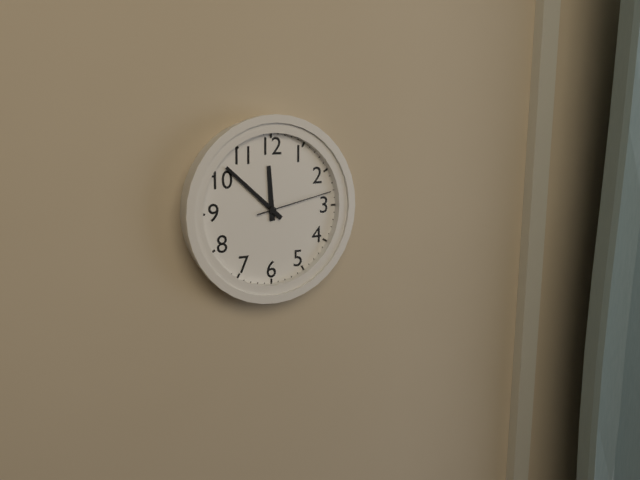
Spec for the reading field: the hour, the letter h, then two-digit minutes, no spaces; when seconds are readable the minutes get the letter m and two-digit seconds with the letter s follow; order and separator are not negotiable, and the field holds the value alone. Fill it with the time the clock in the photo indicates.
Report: 11h52m13s
